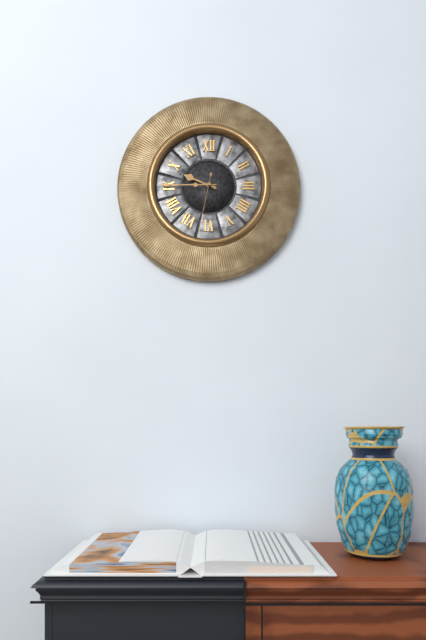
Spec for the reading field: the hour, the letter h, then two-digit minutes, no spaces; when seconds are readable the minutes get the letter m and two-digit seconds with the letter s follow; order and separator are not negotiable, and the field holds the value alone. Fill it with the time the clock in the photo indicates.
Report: 9h45m32s
